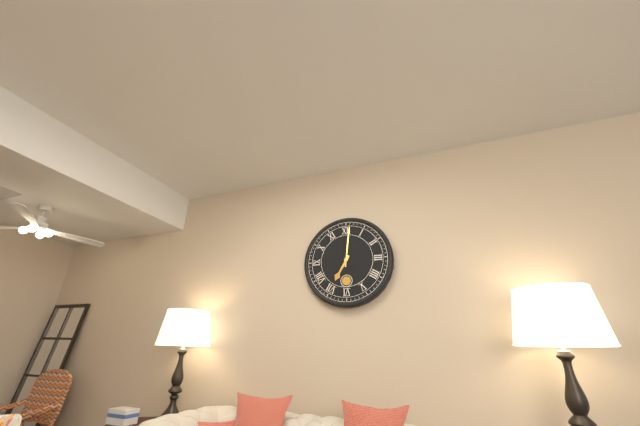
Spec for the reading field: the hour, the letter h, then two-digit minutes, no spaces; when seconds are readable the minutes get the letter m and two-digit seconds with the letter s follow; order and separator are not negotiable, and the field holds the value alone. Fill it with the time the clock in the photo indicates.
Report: 7h01
